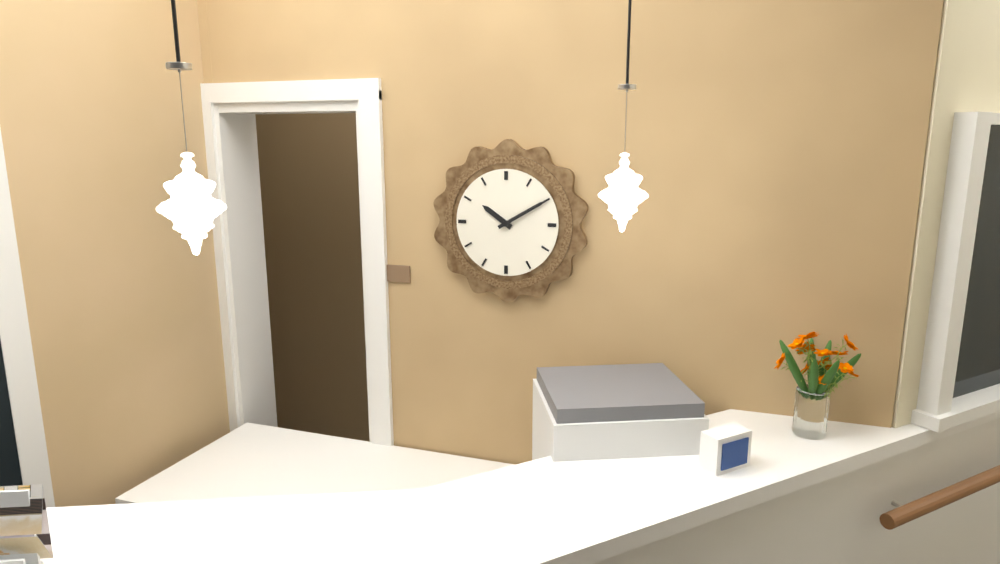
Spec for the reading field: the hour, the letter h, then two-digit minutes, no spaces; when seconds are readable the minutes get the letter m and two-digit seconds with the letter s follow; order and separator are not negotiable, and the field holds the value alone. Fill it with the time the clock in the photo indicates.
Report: 10h10
